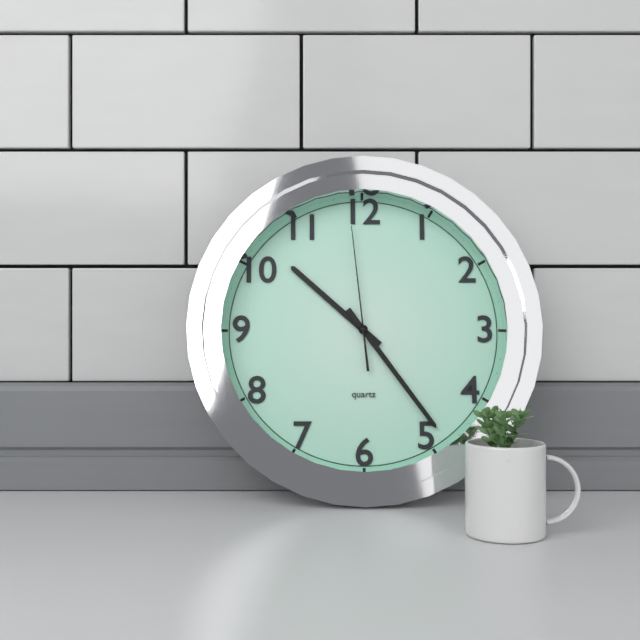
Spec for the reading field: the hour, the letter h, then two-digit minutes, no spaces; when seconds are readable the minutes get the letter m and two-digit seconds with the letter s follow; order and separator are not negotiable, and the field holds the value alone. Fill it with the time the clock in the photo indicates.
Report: 10h24m59s
